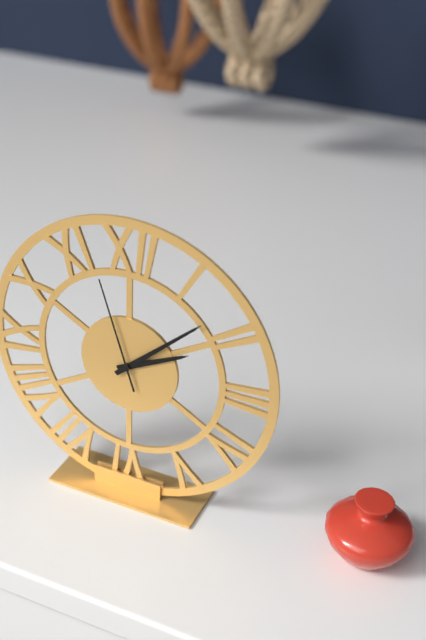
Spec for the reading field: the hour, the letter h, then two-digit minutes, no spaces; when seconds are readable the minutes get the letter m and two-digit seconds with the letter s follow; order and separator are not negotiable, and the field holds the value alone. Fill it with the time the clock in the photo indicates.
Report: 2h08m57s
